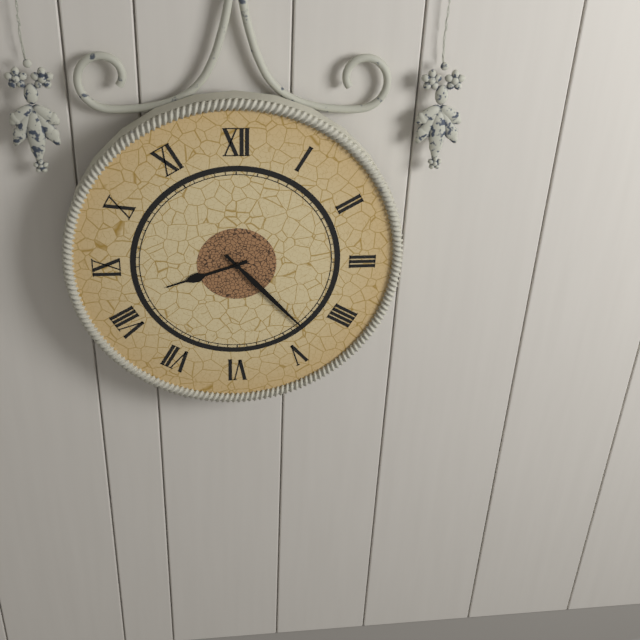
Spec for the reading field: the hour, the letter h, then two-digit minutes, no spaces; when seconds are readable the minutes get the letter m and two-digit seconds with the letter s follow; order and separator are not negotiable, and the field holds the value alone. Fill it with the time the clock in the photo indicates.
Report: 8h23
